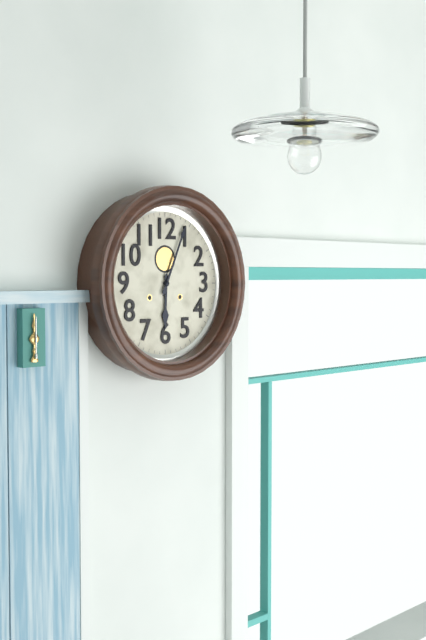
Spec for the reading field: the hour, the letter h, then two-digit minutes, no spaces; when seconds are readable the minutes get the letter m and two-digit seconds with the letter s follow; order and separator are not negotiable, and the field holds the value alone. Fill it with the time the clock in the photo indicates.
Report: 6h04
